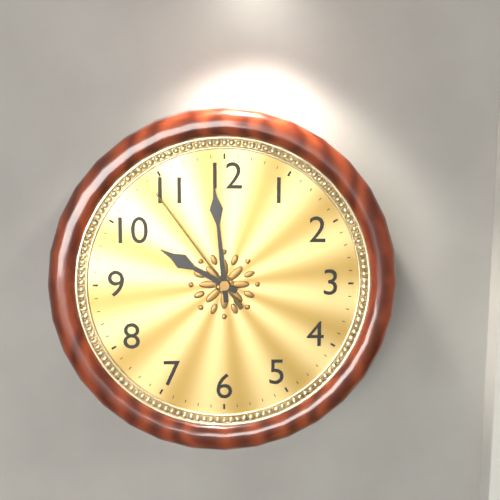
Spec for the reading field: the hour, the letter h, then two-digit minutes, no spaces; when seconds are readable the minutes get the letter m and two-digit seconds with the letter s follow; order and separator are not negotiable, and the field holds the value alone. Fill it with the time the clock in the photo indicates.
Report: 9h59m54s
